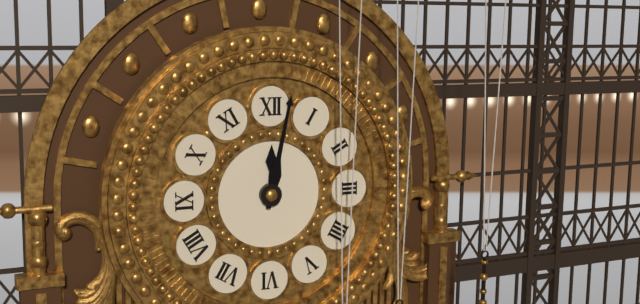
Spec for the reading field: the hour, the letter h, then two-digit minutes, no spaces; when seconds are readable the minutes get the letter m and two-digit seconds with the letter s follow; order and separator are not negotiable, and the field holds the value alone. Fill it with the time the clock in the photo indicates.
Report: 12h02
